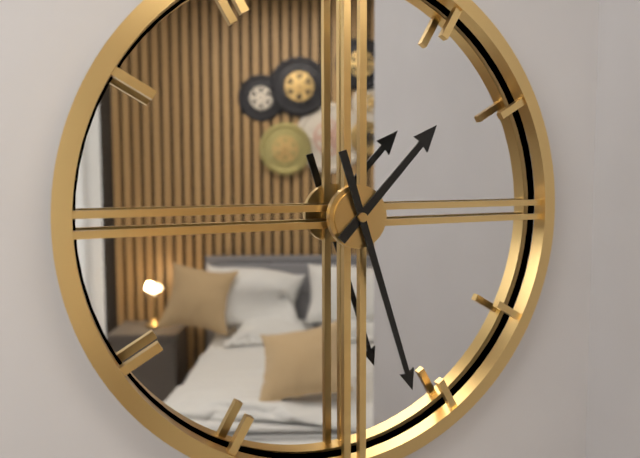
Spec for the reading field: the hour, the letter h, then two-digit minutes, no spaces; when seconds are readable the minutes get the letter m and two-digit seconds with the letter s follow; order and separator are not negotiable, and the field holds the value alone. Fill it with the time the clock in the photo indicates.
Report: 1h27
